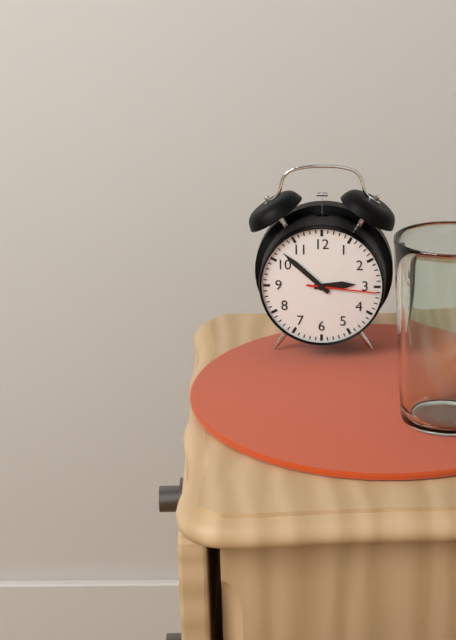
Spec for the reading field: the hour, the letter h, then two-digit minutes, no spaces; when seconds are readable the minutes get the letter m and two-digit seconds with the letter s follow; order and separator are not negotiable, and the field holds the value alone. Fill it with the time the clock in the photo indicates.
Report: 2h52m16s
